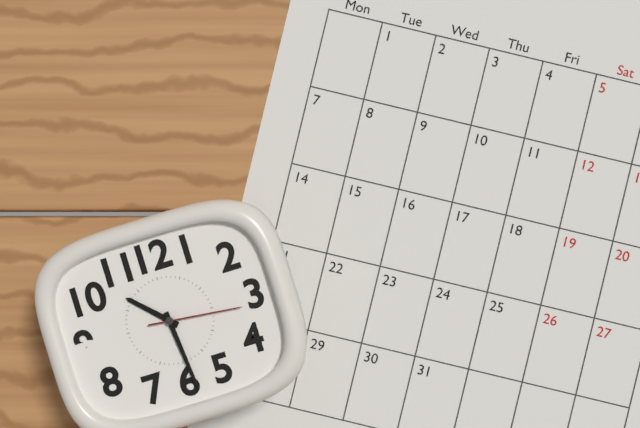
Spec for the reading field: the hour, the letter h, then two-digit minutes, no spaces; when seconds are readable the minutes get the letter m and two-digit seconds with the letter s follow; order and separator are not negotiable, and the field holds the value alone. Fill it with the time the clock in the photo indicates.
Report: 10h29m16s
